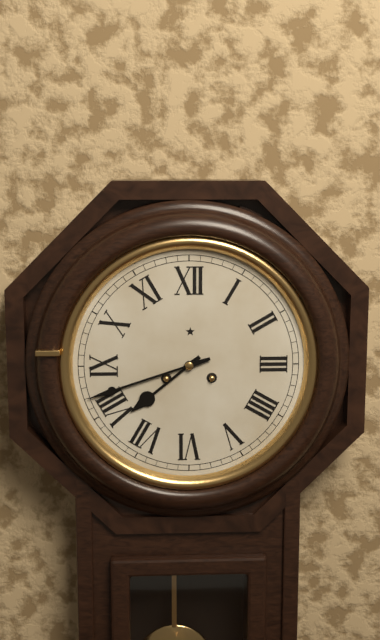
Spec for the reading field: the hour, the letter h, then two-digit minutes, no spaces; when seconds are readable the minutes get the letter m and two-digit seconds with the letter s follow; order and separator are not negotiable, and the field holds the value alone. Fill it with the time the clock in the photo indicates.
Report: 7h42
